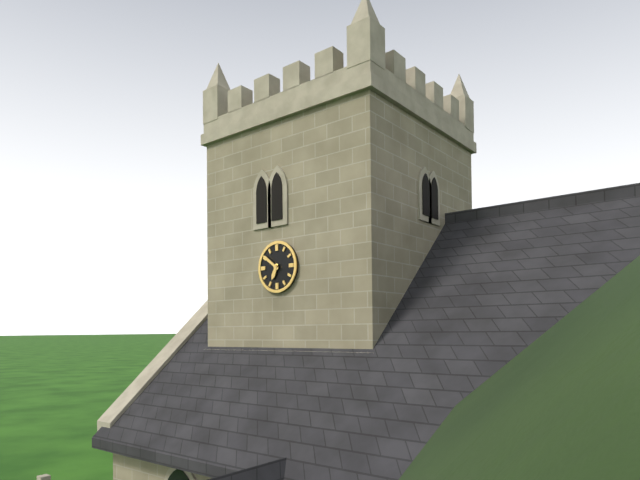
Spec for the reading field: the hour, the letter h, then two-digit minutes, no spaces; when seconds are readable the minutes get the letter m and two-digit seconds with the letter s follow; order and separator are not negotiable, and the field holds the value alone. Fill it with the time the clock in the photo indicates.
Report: 6h51
